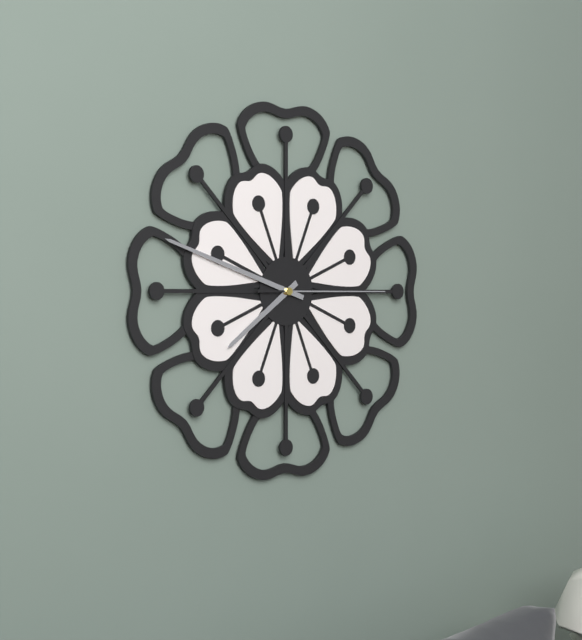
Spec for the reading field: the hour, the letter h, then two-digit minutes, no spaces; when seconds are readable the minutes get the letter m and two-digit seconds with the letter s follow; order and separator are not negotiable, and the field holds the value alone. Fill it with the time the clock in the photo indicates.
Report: 7h48m15s
